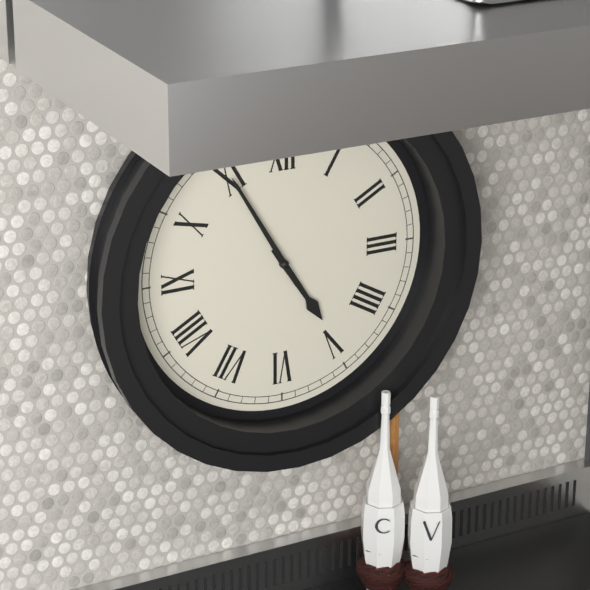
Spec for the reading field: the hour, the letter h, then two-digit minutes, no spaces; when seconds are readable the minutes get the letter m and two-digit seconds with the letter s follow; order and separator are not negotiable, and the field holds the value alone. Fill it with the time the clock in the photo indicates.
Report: 4h55
